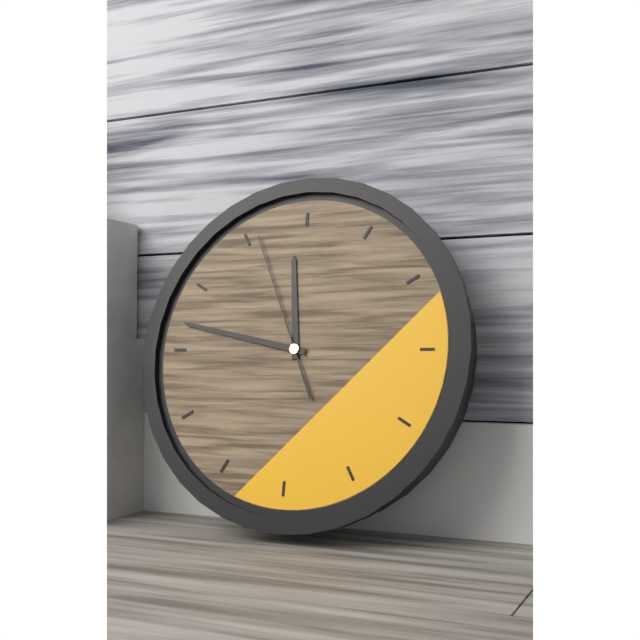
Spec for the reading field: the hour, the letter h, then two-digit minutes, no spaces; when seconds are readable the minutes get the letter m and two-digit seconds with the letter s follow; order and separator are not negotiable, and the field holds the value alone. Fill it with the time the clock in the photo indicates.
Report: 11h47m56s
